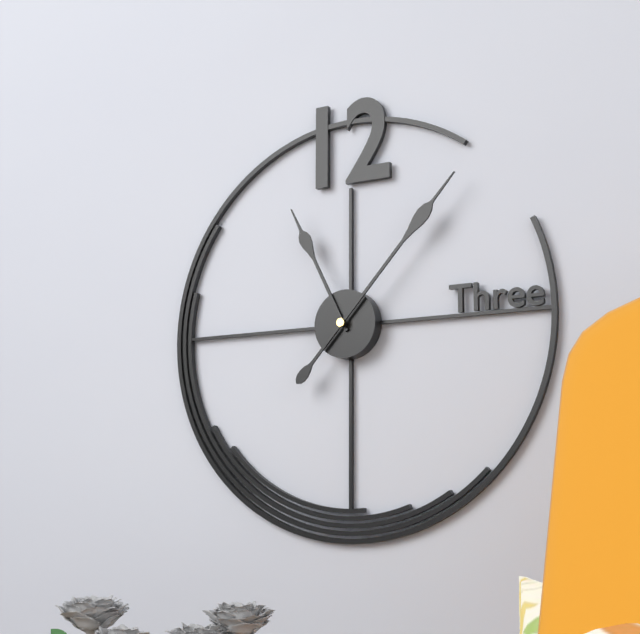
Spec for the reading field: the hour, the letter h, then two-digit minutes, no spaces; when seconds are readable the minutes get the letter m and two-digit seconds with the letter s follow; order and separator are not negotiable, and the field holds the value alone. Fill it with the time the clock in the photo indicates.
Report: 11h07
